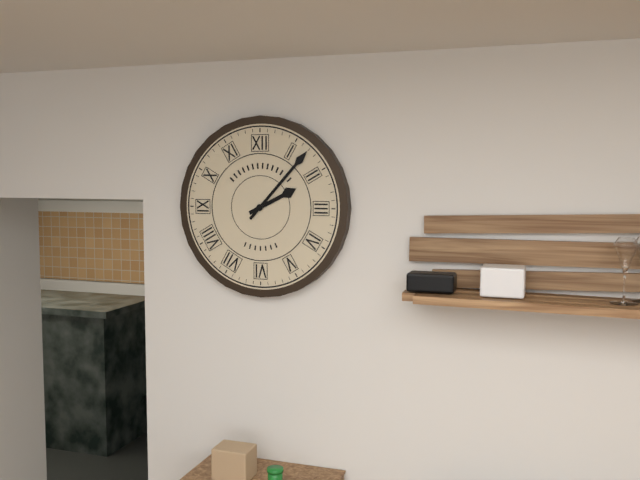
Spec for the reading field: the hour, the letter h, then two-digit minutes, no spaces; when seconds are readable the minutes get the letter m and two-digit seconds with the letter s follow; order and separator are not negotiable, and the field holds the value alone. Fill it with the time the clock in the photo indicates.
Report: 2h07
